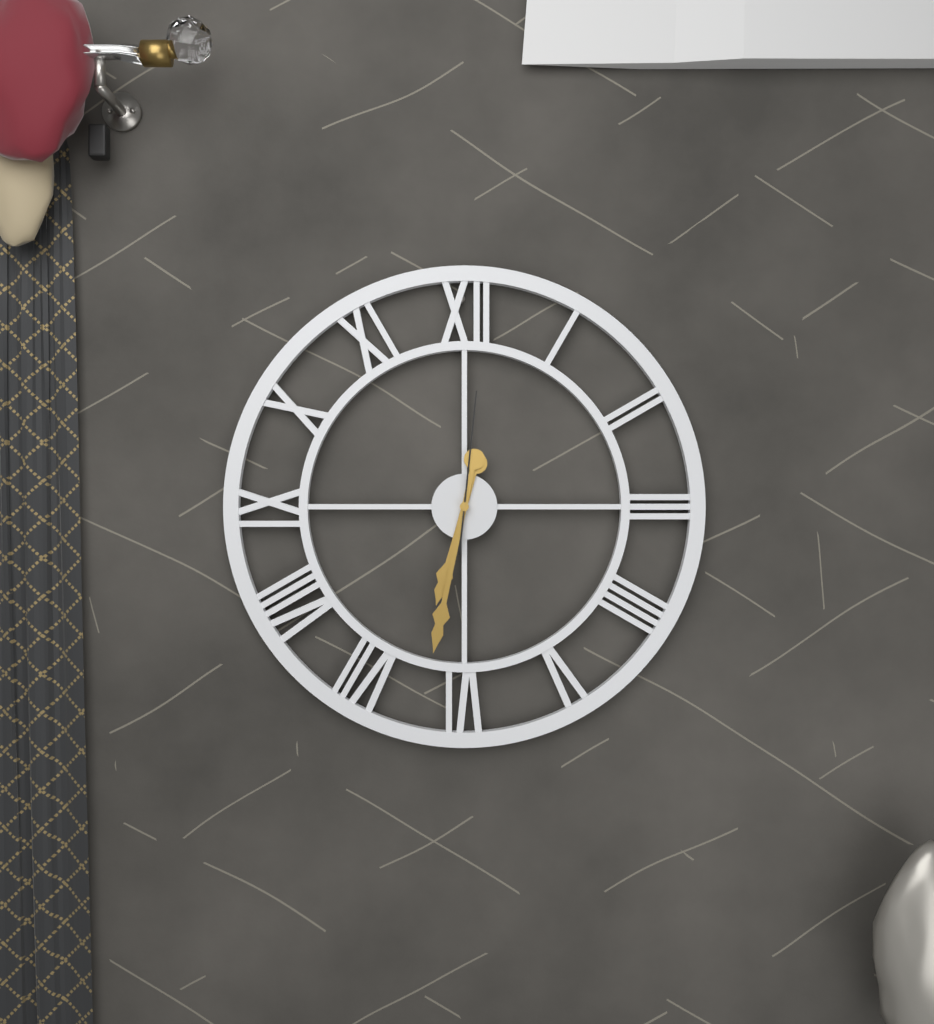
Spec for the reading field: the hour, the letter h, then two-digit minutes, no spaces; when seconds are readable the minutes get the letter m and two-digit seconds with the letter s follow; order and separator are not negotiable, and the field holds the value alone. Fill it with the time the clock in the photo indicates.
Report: 6h32m01s
